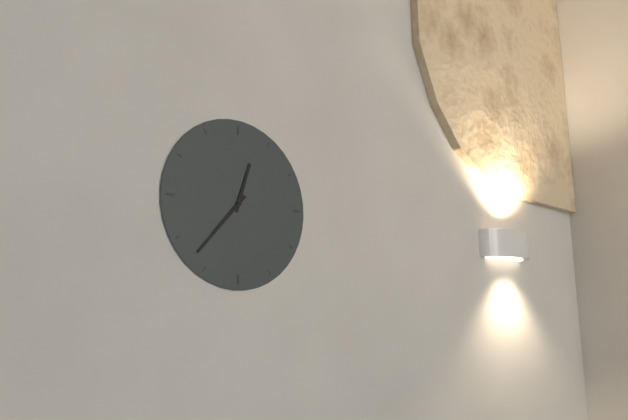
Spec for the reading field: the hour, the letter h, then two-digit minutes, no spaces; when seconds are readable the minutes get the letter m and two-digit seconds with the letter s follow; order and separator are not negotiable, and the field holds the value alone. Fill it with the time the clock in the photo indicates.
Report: 12h37
